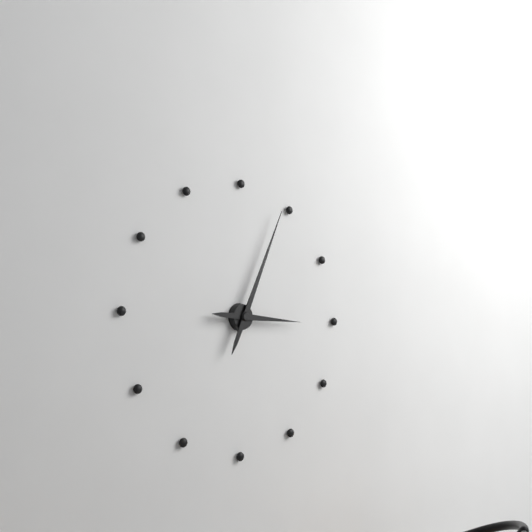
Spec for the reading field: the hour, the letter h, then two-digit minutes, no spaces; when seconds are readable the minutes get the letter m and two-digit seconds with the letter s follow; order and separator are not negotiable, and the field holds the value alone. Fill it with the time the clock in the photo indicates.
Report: 3h04
